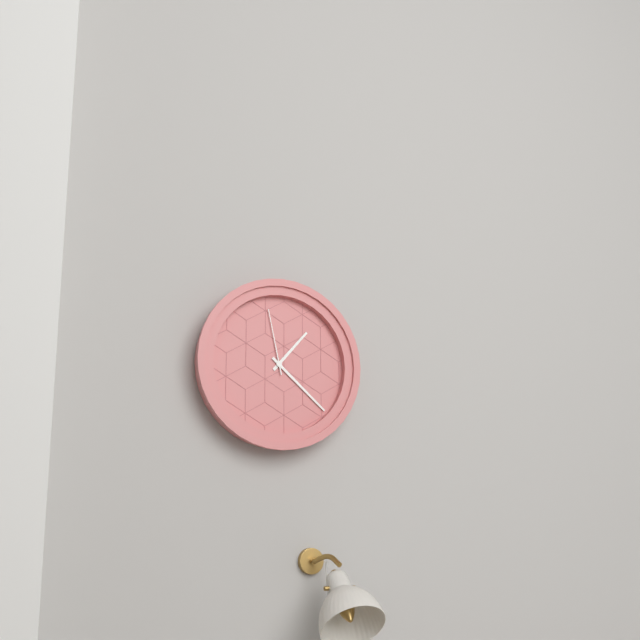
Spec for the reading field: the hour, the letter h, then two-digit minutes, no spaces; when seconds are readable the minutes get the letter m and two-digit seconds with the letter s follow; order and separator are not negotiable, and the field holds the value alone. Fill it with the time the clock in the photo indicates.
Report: 1h22m58s
